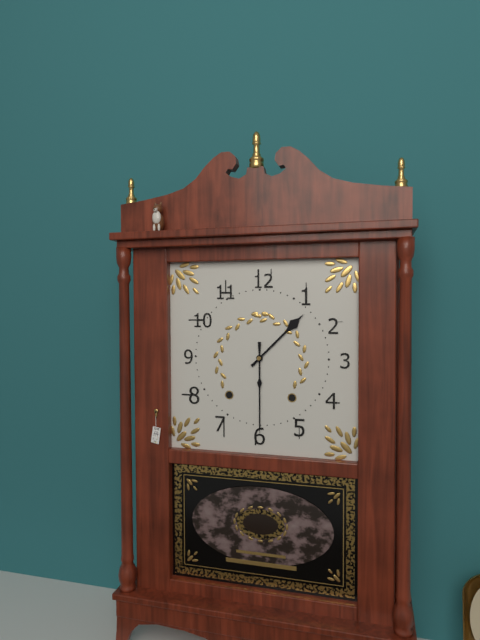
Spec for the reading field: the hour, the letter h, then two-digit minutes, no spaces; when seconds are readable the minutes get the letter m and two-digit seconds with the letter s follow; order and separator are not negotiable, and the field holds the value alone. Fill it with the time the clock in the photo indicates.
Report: 1h30
